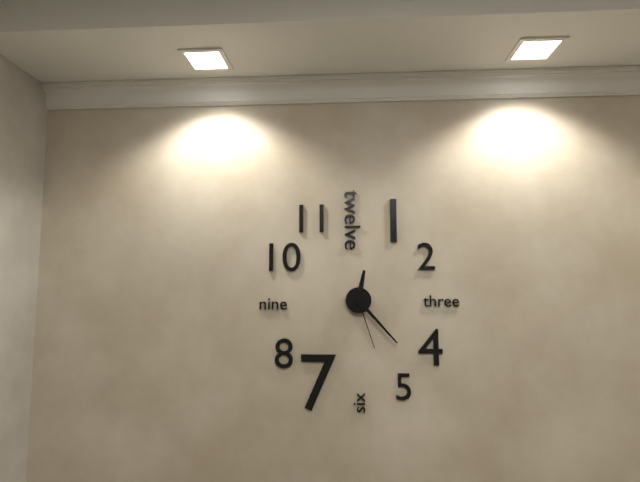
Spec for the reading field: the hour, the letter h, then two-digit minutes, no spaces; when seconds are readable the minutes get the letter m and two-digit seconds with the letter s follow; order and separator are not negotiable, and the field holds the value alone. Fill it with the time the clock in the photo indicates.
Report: 12h23m27s
